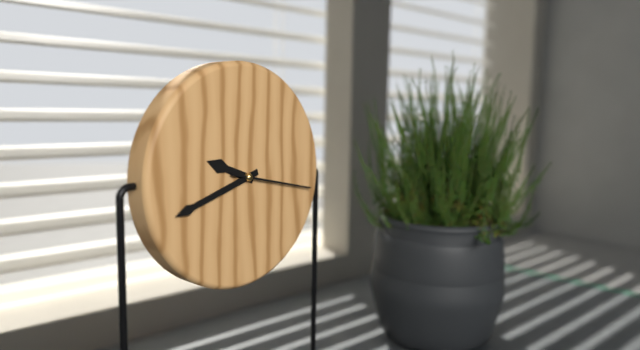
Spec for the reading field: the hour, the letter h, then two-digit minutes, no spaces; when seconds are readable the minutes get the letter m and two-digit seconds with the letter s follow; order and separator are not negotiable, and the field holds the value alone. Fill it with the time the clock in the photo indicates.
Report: 9h42m17s
